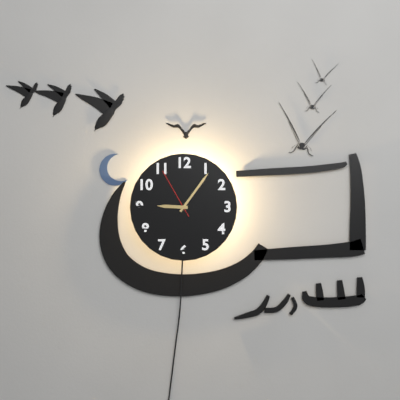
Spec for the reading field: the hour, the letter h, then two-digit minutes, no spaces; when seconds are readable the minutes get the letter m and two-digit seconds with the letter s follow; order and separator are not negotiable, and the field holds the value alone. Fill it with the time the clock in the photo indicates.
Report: 9h06m55s
